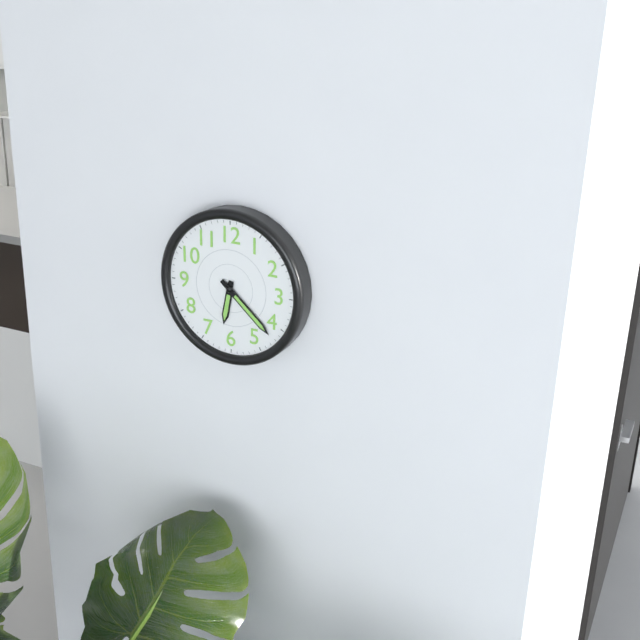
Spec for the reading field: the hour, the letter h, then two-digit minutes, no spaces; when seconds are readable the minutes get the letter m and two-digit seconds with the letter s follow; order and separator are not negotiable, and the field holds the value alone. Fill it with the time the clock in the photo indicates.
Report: 6h22
